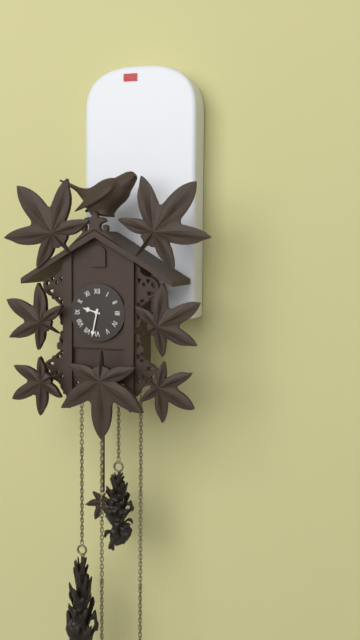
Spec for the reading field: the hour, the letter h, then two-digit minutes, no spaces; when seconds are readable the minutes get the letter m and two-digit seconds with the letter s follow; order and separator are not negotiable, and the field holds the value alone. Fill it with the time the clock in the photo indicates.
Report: 9h32
